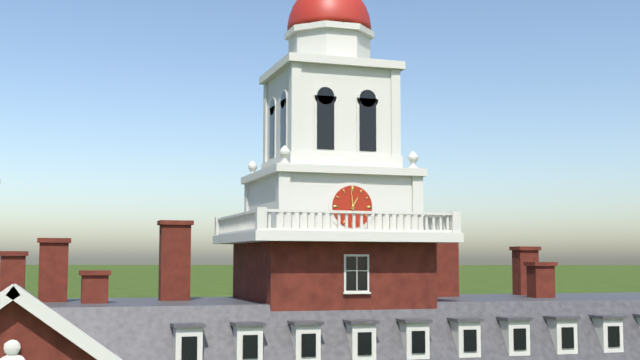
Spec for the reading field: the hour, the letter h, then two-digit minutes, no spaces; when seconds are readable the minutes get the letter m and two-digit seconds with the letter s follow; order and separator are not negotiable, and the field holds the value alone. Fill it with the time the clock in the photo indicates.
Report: 12h59
